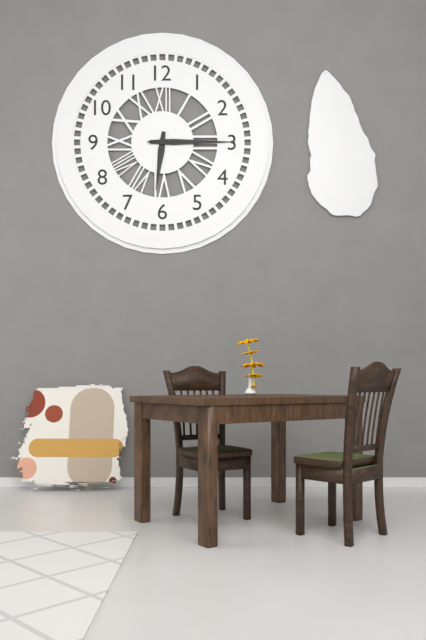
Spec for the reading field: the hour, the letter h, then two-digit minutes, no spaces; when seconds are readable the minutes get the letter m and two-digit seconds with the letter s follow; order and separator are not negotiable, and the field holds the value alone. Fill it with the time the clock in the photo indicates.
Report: 6h15m15s
